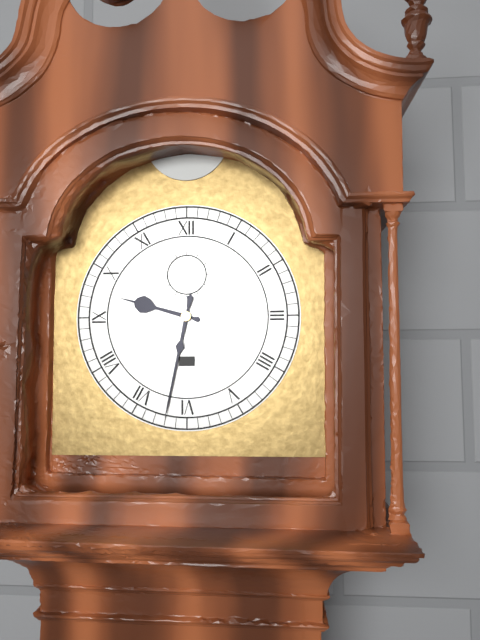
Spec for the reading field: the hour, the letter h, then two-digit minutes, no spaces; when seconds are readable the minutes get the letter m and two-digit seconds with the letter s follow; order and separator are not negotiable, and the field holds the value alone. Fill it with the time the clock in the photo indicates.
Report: 9h32
